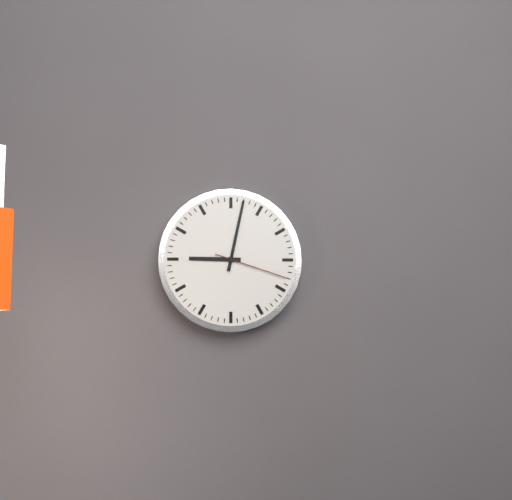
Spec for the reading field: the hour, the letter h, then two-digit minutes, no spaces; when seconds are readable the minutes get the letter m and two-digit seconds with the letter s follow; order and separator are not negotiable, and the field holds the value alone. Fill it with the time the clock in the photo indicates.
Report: 9h02m18s
